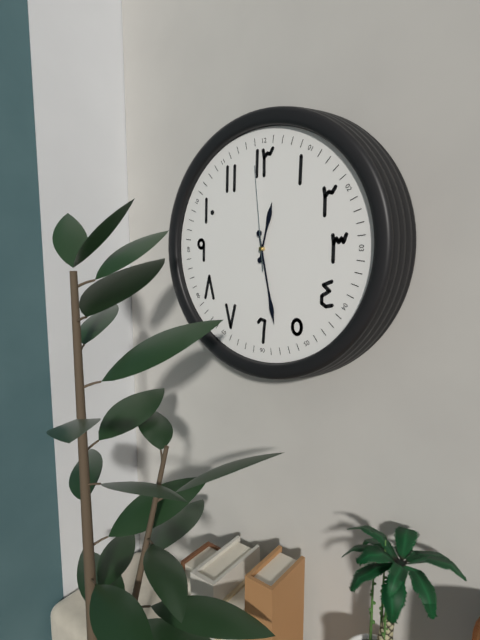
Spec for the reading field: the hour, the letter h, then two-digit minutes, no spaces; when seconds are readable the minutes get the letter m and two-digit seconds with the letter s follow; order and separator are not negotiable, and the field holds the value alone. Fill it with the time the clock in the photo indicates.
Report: 12h28m59s
